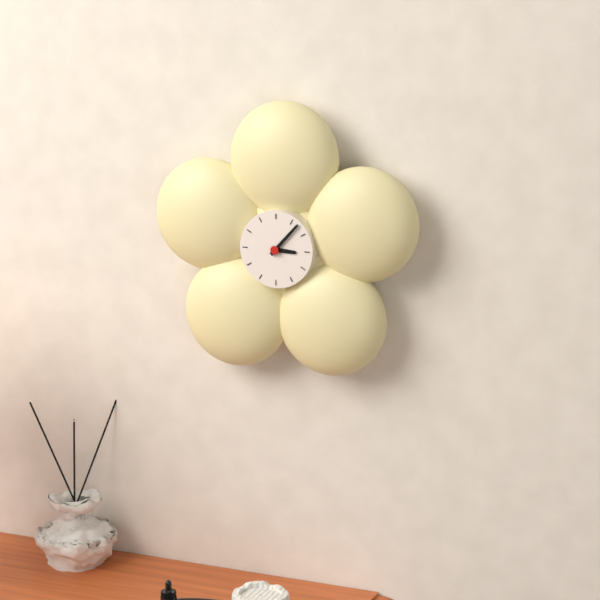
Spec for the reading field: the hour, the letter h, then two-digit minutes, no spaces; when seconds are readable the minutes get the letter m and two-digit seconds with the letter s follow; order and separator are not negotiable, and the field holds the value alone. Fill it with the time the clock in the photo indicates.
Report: 3h07
